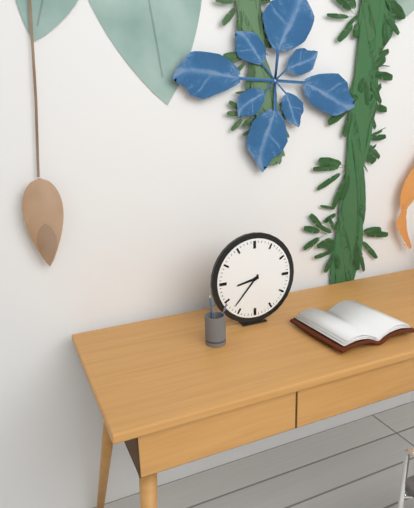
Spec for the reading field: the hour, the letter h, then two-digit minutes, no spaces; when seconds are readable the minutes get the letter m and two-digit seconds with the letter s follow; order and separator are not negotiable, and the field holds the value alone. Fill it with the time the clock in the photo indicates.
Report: 8h37
